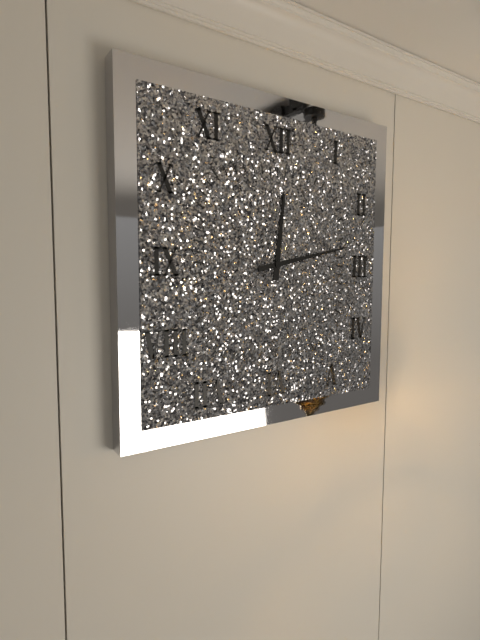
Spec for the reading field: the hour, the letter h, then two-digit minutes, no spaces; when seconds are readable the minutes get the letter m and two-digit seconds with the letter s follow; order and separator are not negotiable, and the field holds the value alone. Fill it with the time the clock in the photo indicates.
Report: 12h13
